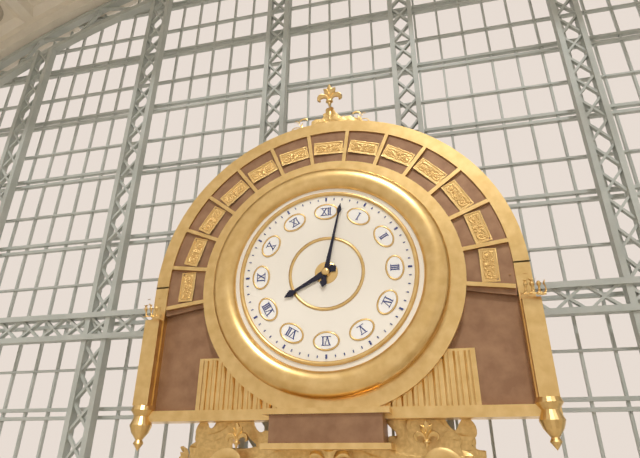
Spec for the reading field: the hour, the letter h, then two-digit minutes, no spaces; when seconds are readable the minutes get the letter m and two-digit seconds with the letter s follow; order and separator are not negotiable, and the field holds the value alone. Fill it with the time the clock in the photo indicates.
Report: 8h02
